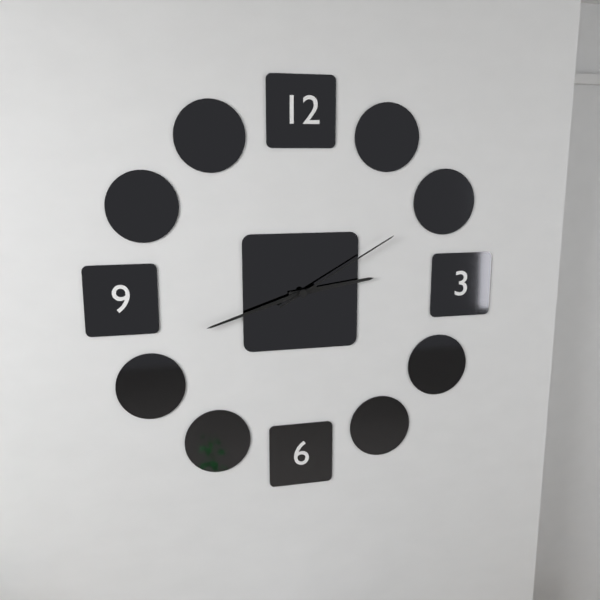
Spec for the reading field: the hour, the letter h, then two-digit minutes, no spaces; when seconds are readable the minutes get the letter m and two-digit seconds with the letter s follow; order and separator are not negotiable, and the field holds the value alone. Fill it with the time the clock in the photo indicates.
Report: 2h42m10s
